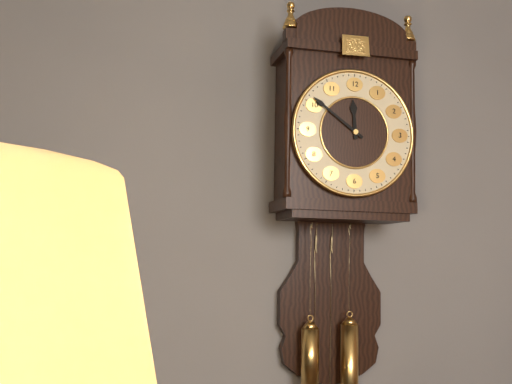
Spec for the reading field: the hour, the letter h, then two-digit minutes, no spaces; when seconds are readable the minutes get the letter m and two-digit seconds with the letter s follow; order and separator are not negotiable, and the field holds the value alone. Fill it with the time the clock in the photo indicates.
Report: 11h51
